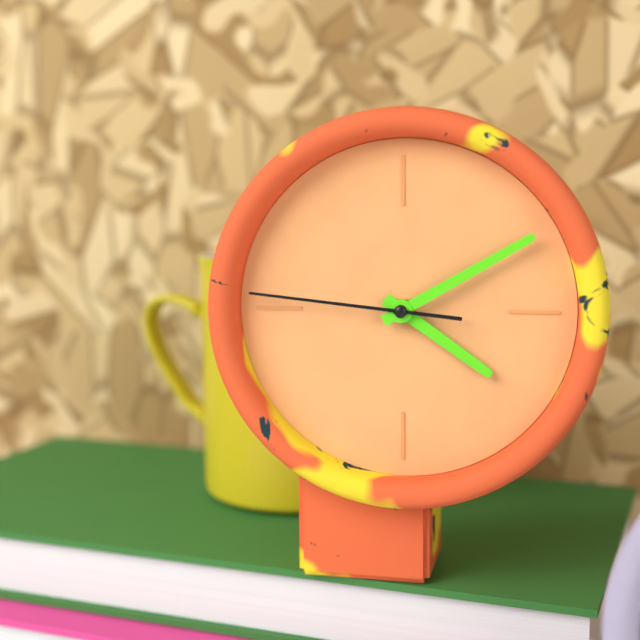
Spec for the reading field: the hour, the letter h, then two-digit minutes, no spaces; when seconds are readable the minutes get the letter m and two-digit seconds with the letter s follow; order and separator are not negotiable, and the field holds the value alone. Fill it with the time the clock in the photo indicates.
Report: 4h10m46s
